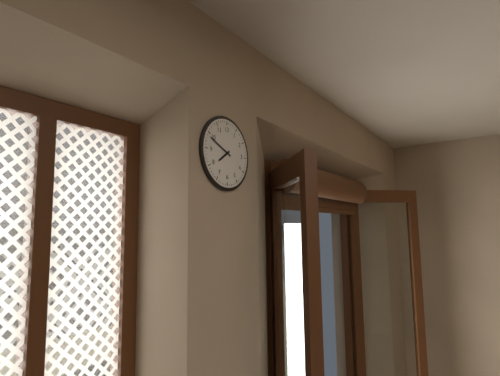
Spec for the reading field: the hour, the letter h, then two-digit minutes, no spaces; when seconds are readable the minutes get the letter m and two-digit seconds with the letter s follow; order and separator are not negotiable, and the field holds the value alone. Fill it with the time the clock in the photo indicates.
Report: 7h49
